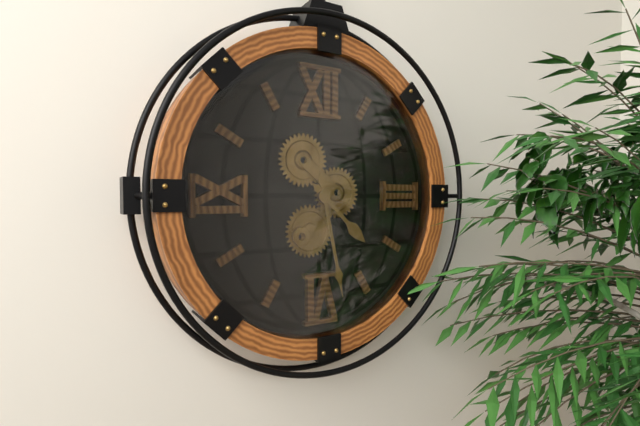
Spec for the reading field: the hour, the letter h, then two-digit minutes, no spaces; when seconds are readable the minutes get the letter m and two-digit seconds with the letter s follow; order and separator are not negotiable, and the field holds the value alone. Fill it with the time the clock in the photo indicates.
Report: 4h28
